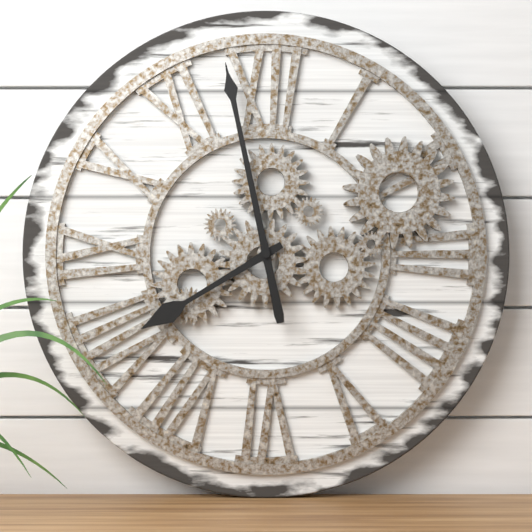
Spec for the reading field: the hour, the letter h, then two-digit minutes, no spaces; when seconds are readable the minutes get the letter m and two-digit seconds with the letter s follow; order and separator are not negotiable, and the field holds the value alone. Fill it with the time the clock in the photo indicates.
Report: 7h58
